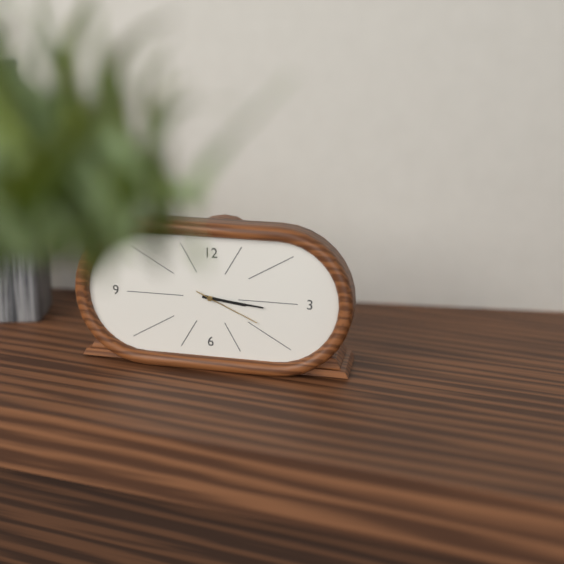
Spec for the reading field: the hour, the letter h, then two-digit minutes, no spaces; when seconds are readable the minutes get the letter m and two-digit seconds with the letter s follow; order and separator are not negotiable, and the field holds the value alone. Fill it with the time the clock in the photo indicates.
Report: 3h16m19s
